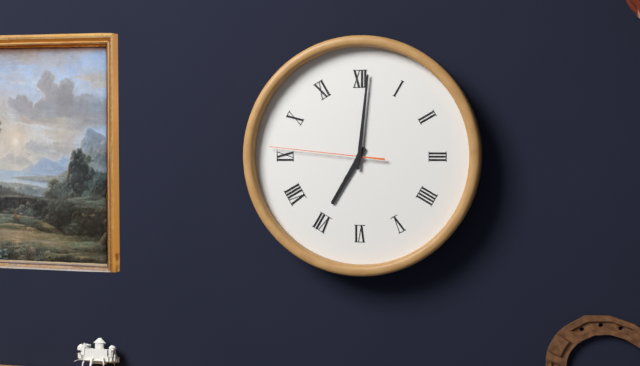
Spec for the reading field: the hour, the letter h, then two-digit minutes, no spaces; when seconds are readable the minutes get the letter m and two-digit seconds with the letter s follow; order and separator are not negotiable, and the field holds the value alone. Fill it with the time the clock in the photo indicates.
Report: 7h01m46s
